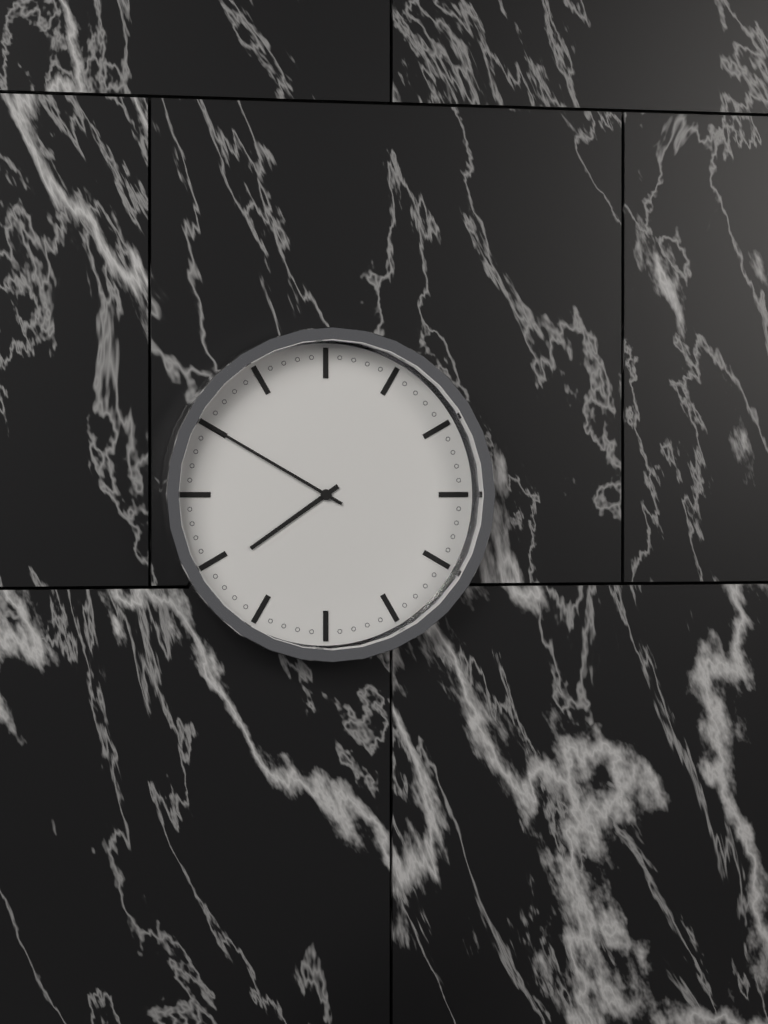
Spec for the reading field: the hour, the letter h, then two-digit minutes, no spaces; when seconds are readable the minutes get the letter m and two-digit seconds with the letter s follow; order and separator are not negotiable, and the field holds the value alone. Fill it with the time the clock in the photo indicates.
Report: 7h50
